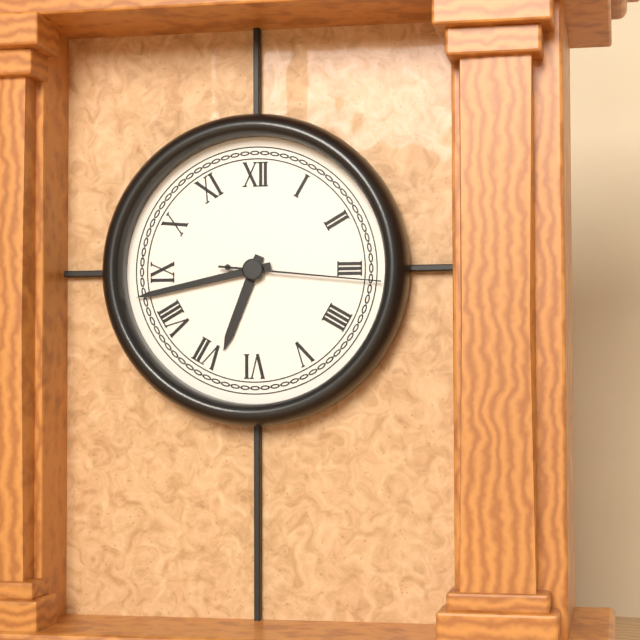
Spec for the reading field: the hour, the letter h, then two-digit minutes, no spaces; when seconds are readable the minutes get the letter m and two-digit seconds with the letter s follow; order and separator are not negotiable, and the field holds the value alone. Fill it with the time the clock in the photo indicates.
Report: 6h43m16s
